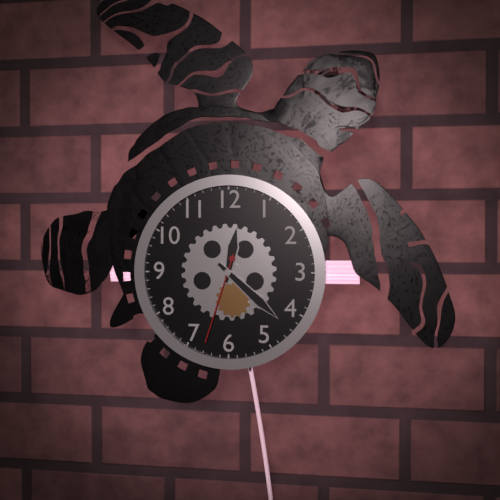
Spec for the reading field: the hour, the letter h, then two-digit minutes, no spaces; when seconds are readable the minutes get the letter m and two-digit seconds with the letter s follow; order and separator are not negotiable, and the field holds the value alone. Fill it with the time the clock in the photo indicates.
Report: 12h22m33s
